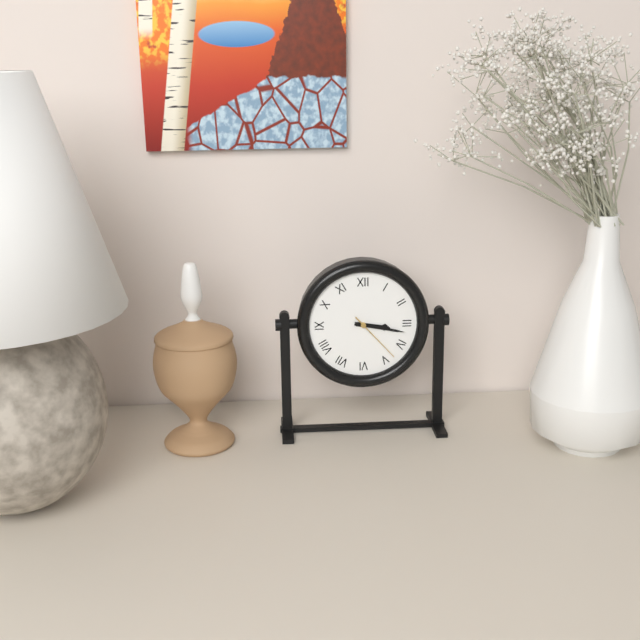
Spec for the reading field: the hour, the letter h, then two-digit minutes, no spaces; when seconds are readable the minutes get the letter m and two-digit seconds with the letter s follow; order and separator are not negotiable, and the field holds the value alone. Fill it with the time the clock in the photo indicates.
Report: 3h17m23s
